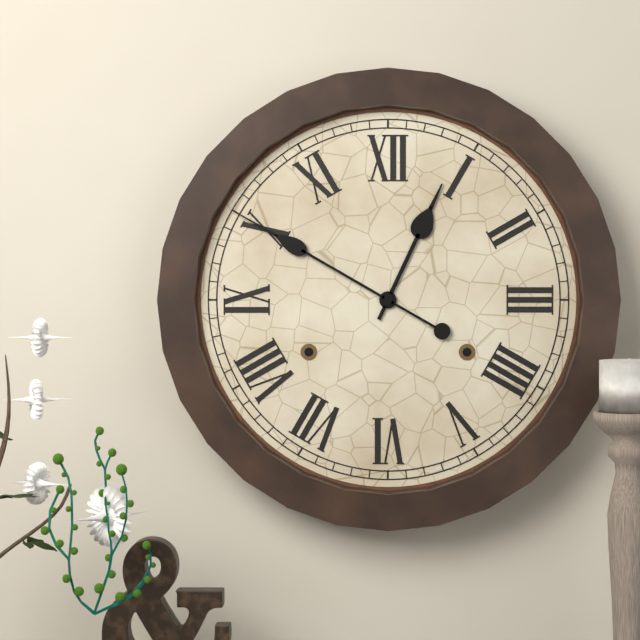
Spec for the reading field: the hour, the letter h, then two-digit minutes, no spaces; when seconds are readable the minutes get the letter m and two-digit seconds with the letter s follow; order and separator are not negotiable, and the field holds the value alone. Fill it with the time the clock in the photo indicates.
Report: 12h50
